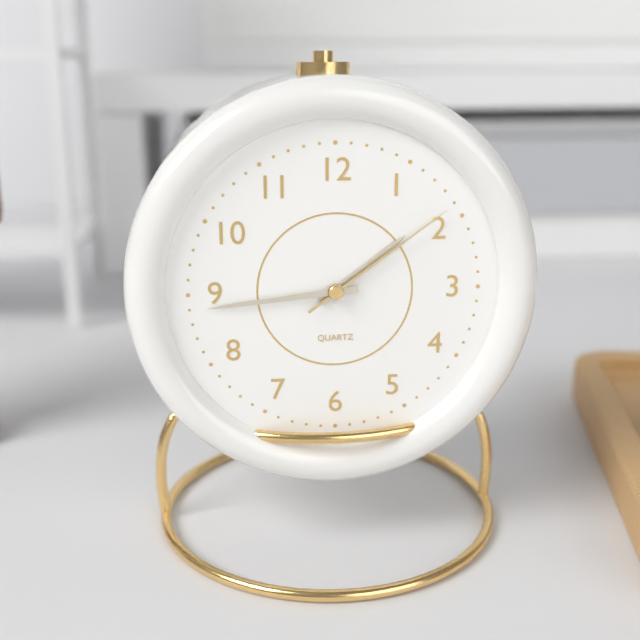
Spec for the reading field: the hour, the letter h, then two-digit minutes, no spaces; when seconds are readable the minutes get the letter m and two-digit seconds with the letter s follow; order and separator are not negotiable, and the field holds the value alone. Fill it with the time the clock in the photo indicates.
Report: 1h44m09s
